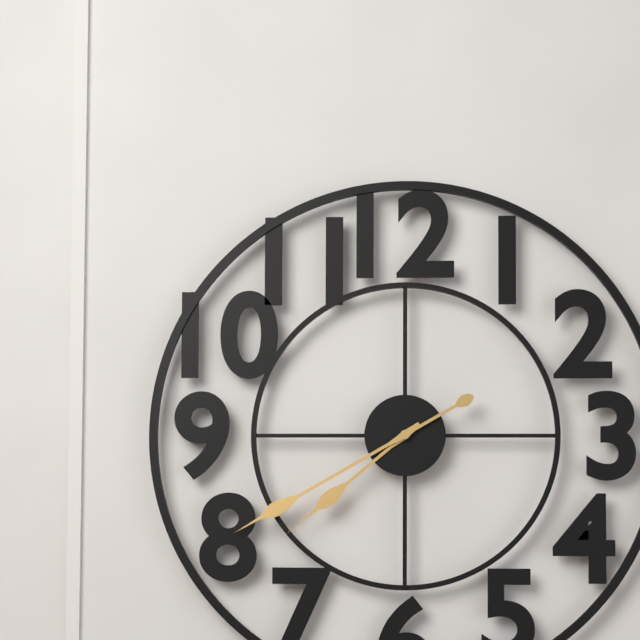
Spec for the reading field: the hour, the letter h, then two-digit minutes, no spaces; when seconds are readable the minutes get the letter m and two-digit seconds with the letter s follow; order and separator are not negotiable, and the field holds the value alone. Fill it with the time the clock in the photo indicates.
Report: 7h40
